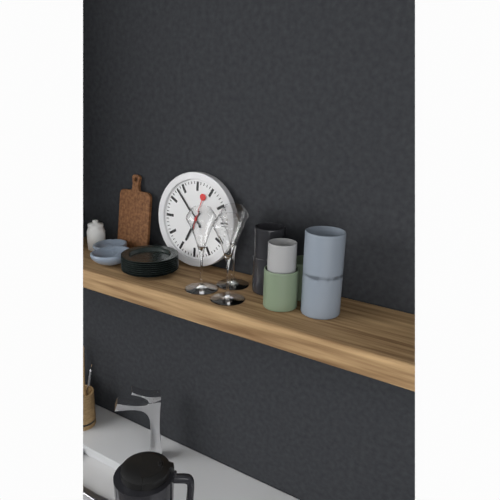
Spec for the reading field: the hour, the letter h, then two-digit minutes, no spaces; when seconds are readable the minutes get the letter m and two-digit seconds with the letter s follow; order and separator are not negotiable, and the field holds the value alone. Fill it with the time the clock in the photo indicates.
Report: 6h53
